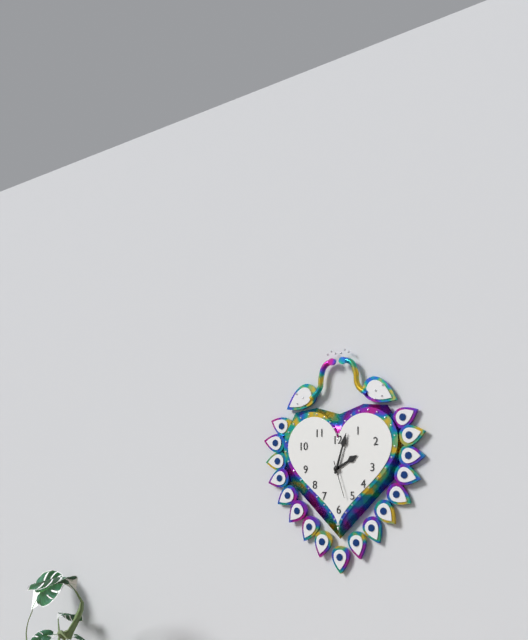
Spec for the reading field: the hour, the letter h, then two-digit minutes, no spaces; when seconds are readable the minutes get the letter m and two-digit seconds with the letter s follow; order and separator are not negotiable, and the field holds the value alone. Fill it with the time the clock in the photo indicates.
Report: 2h03
